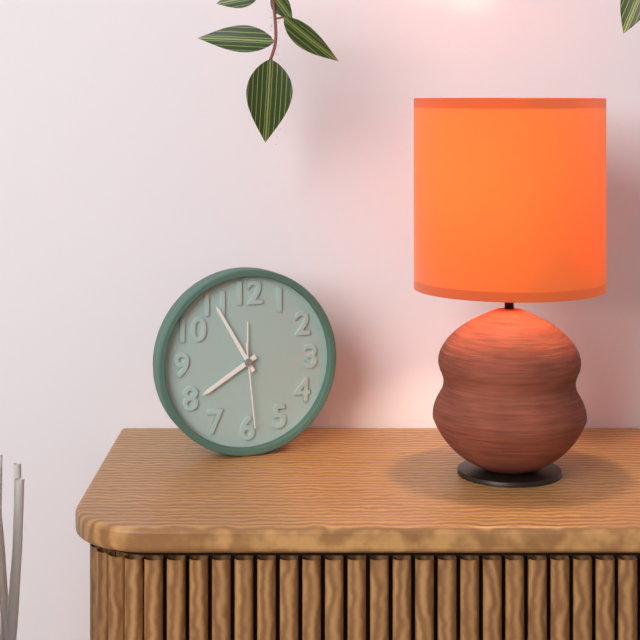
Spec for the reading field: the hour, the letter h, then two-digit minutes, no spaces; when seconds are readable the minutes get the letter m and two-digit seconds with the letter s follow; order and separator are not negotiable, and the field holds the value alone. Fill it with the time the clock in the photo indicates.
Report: 7h55m29s
